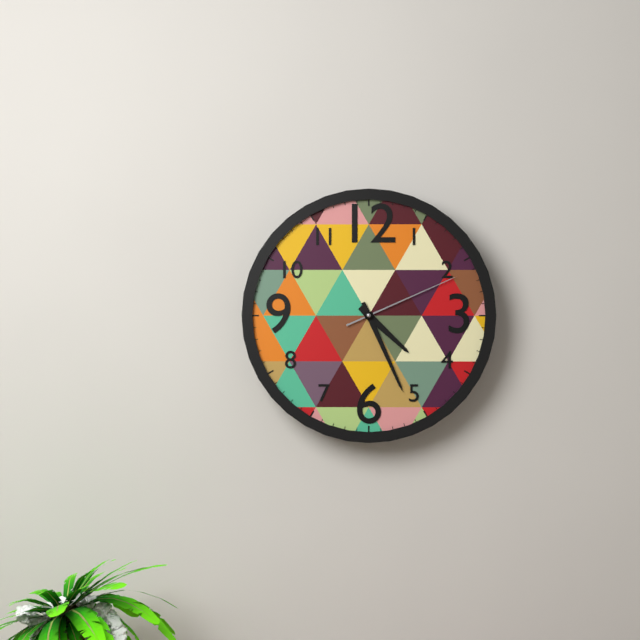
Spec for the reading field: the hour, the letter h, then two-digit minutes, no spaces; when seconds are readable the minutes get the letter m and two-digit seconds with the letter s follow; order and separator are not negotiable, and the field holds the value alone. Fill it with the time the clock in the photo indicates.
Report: 4h26m11s
